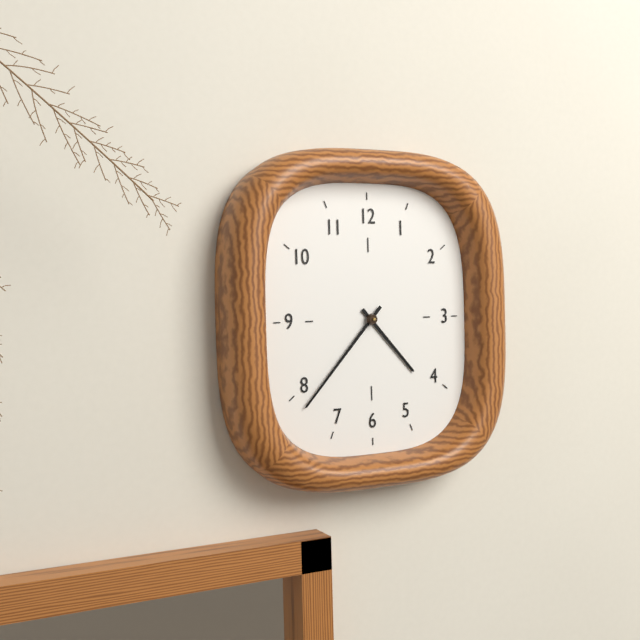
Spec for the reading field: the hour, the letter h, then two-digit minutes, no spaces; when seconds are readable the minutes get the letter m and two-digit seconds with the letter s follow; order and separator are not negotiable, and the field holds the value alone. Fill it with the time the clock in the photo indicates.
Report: 4h37
